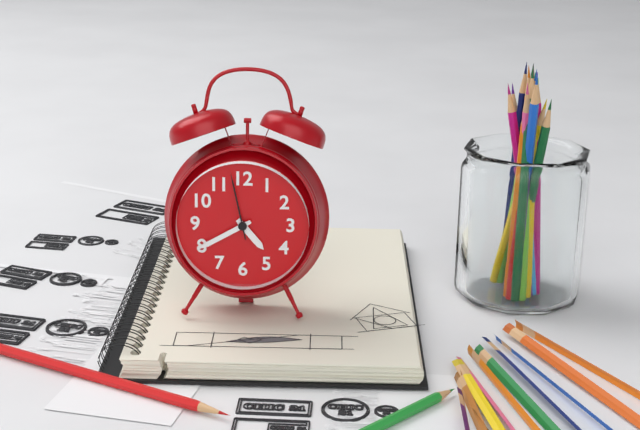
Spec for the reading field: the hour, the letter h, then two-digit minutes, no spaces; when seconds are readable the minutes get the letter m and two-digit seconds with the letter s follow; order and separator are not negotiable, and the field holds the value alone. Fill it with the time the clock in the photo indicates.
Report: 4h40m58s
